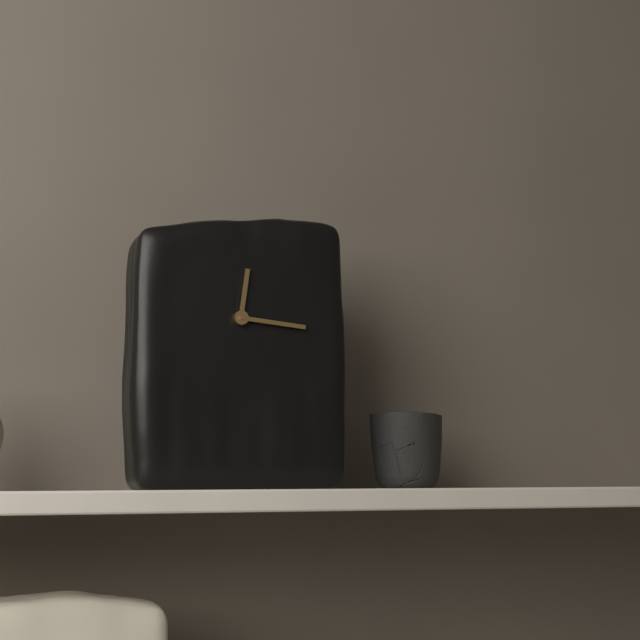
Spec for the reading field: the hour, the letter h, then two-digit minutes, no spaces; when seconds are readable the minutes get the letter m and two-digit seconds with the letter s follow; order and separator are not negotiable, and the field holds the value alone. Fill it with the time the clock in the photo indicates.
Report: 12h16
